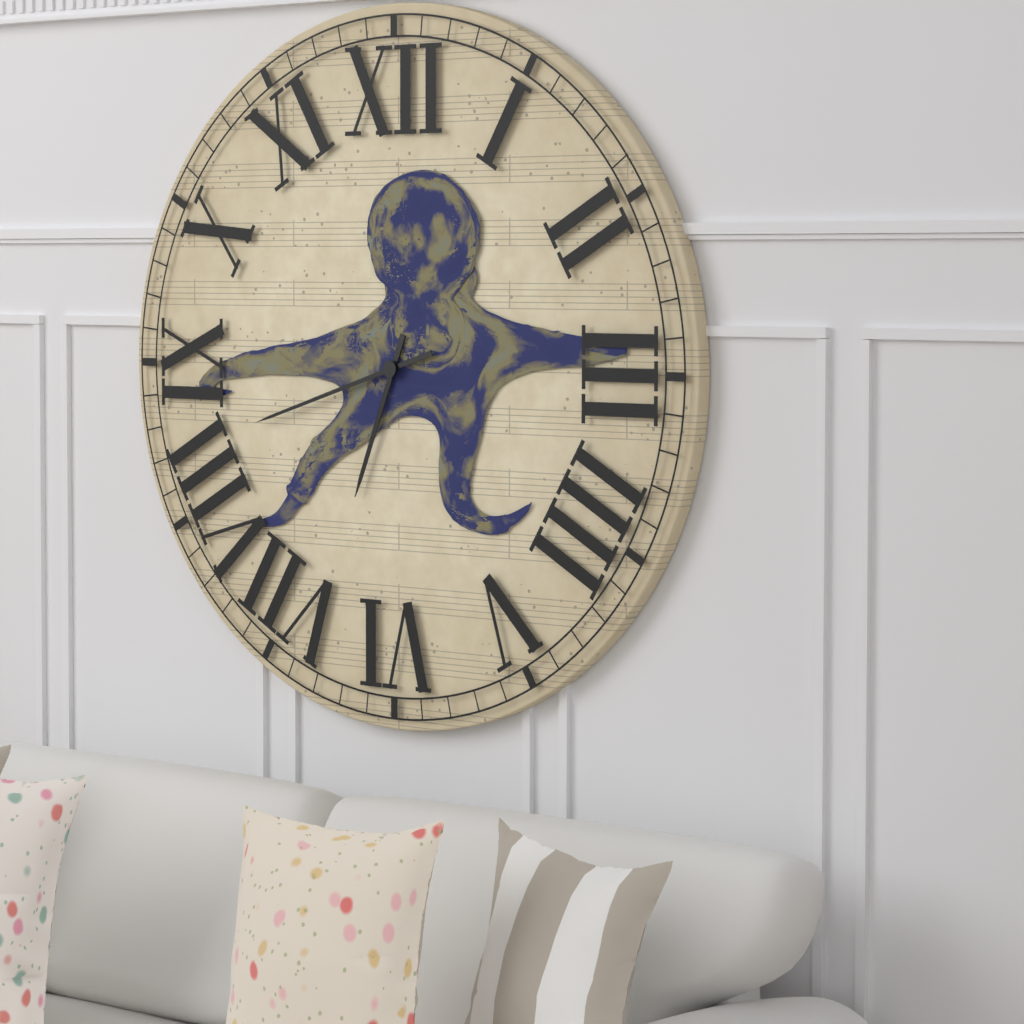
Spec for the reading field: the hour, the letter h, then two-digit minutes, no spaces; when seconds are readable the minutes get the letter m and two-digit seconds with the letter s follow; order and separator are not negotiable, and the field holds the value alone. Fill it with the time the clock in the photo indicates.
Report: 6h42
